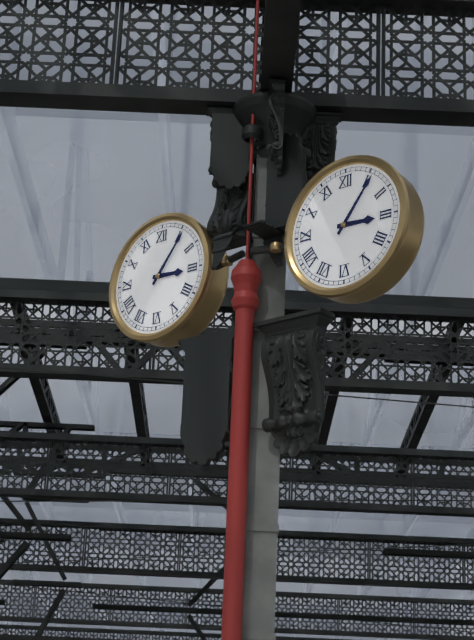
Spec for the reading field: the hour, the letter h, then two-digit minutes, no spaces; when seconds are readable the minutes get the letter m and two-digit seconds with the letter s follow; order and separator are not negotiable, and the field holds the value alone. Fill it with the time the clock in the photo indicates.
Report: 3h06
